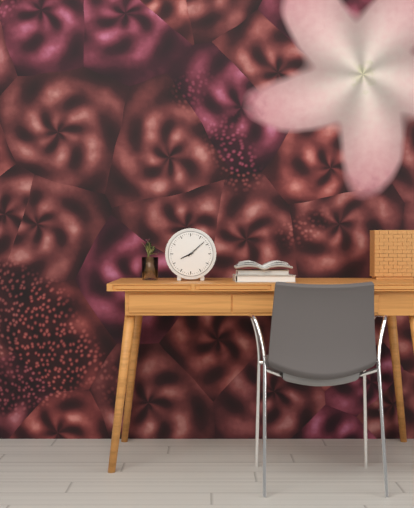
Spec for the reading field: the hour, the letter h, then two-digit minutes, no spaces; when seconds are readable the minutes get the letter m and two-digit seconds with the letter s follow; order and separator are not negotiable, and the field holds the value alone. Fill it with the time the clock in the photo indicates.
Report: 8h08
